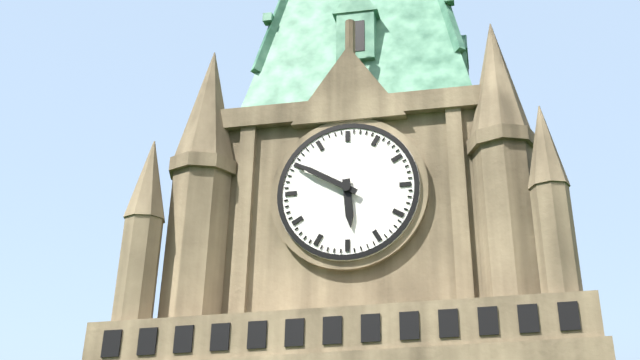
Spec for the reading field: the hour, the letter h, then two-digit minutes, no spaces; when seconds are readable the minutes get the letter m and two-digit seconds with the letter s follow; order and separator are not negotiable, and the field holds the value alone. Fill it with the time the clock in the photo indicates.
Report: 5h50
